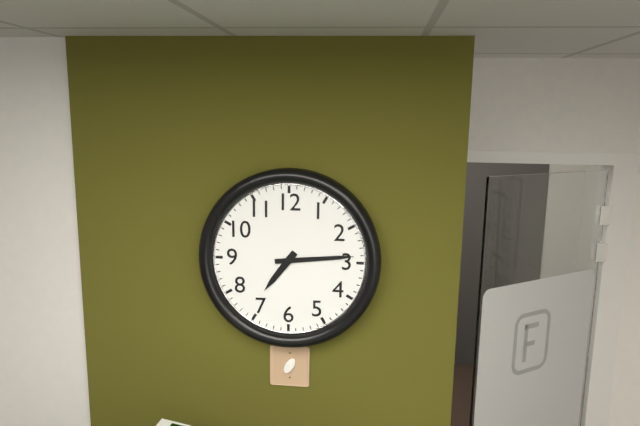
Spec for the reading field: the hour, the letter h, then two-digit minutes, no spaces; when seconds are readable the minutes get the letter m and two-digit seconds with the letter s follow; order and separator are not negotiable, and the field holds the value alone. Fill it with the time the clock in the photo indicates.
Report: 7h14
